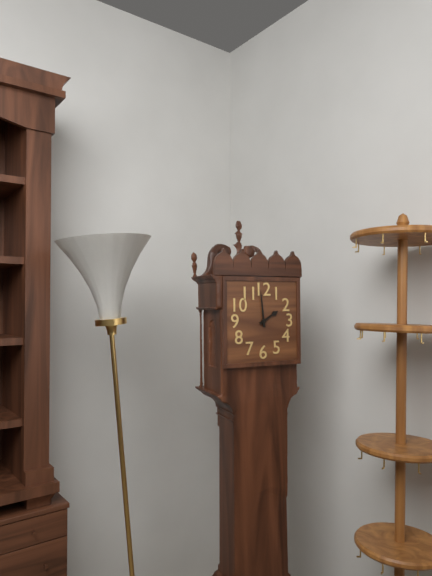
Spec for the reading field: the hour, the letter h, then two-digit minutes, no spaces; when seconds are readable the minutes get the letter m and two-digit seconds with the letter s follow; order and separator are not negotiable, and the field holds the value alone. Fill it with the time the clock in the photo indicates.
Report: 1h59
